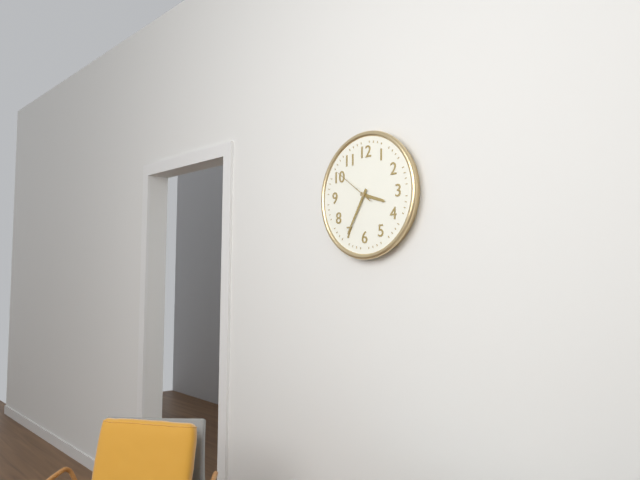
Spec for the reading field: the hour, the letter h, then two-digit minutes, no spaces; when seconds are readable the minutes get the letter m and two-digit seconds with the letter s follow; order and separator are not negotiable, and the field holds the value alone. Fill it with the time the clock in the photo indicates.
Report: 3h35
